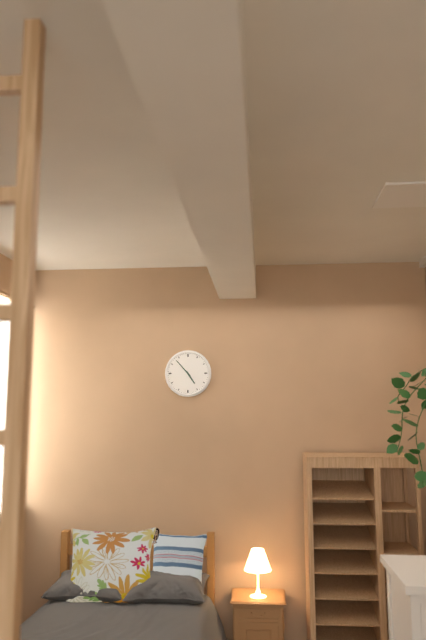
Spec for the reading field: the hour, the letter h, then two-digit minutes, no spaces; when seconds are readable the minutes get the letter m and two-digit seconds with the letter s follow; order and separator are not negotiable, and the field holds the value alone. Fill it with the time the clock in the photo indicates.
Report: 4h53
